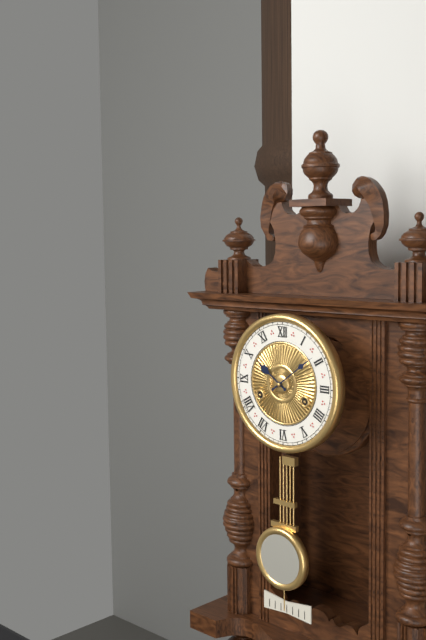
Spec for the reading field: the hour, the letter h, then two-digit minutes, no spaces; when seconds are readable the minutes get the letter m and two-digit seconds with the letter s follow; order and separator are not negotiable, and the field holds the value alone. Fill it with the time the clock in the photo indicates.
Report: 10h09
